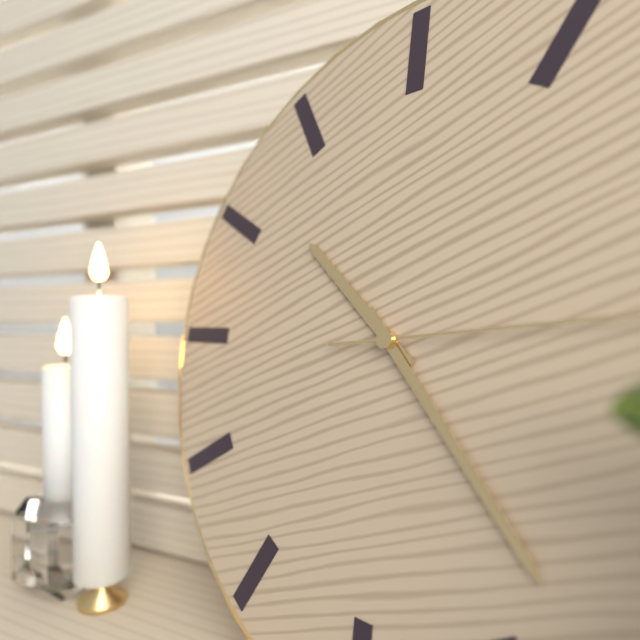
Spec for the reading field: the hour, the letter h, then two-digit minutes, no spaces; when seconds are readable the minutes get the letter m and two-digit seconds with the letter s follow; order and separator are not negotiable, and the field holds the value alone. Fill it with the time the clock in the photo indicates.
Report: 10h23
